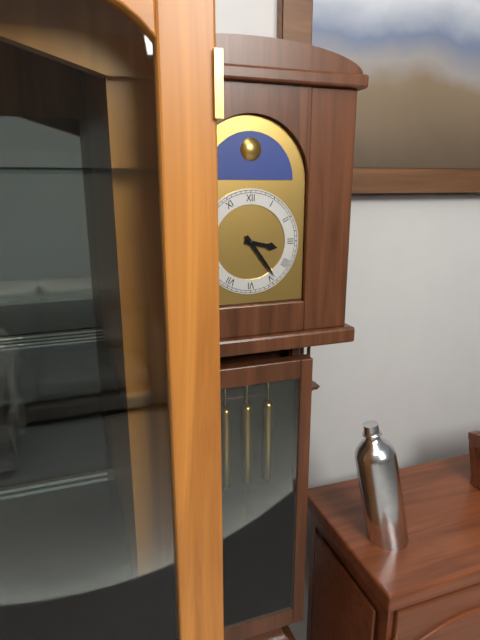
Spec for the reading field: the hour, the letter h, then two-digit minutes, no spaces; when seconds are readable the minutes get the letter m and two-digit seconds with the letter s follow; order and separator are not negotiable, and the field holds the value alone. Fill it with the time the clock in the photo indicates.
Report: 3h24
